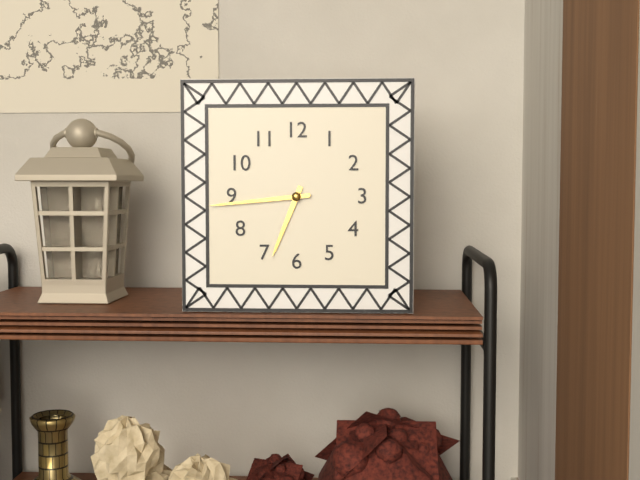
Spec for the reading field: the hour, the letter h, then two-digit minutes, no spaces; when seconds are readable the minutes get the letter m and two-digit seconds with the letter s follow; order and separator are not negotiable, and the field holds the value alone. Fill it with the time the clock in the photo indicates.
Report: 6h44
